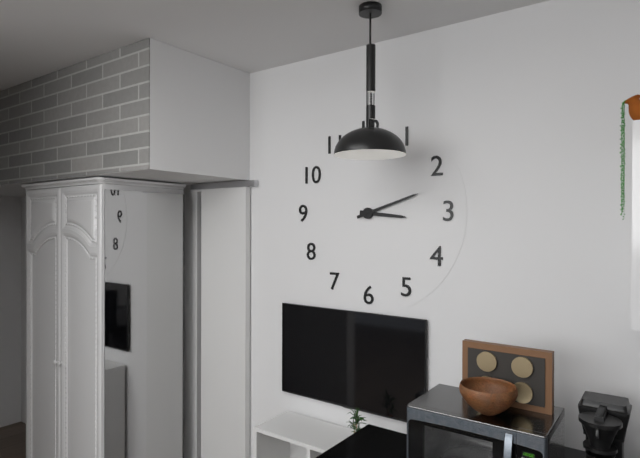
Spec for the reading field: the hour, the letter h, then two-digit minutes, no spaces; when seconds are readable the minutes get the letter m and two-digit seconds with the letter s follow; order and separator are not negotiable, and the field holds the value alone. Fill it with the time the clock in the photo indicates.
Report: 3h12
